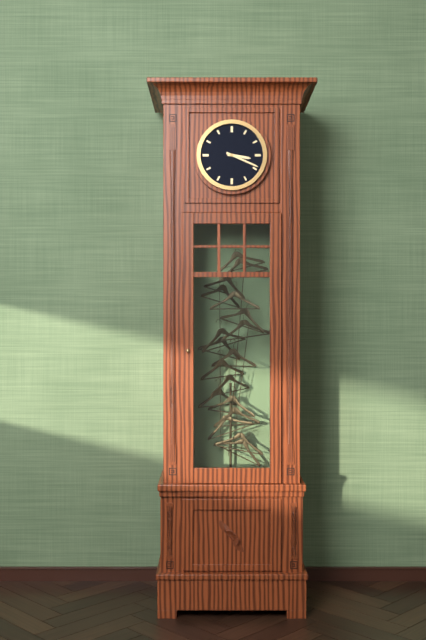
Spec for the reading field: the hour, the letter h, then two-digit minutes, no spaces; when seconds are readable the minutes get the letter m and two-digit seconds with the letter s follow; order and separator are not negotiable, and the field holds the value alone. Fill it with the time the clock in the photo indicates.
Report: 3h19
